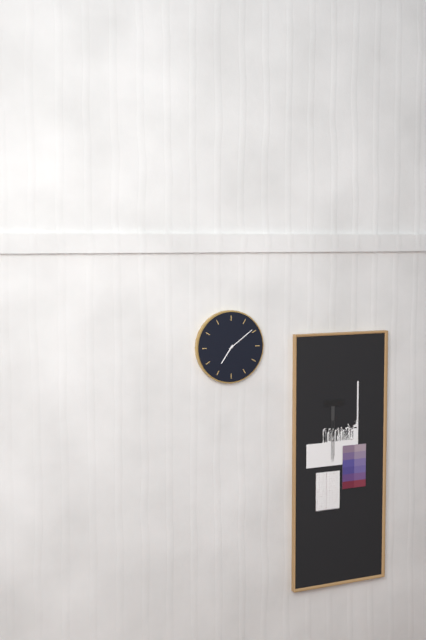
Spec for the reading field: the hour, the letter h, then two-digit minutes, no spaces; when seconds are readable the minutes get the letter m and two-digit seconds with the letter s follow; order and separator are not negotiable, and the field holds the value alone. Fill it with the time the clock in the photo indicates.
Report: 7h09
